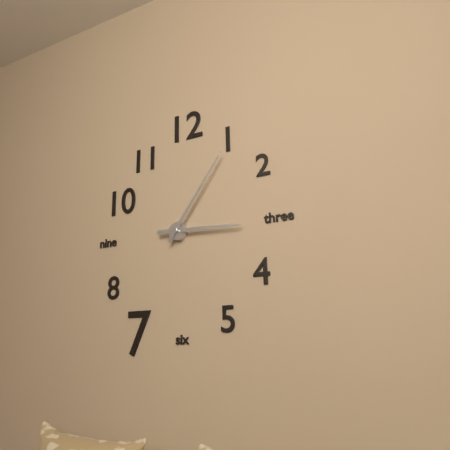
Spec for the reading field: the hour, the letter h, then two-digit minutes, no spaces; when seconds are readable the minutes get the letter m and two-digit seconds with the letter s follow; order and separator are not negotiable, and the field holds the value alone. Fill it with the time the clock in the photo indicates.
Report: 3h06
